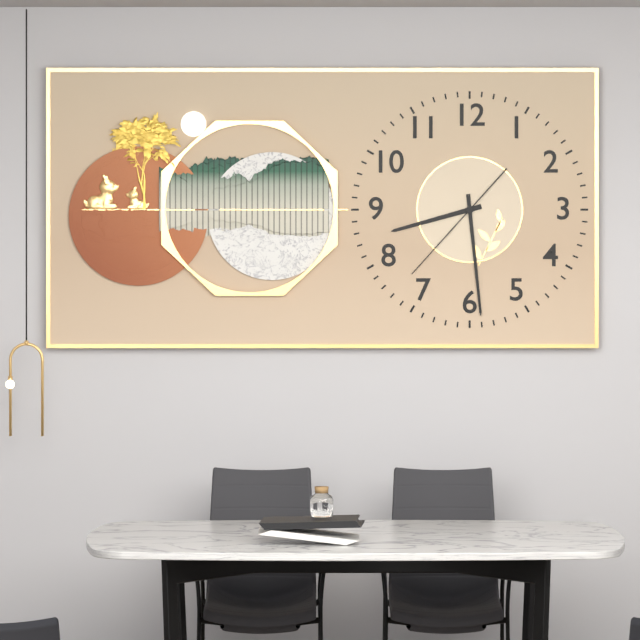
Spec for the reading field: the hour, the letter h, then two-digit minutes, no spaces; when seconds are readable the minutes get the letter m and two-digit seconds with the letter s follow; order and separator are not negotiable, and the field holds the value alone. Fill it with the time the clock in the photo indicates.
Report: 8h29m37s
